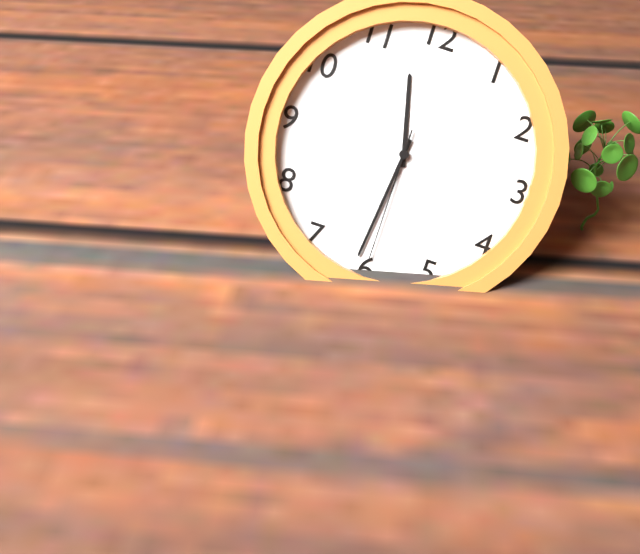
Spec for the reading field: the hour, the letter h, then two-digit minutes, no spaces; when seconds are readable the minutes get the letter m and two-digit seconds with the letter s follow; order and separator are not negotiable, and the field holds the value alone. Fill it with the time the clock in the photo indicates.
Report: 11h31m30s
